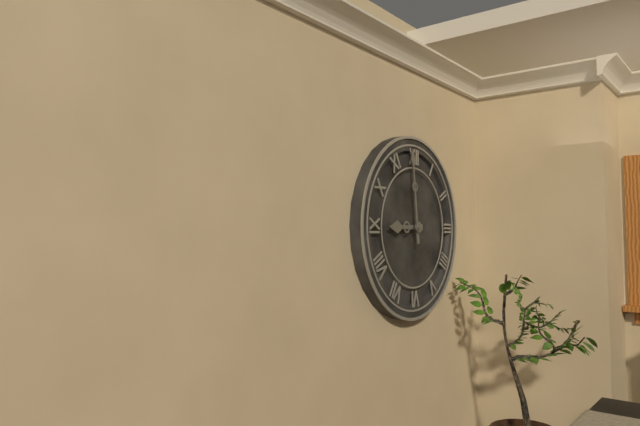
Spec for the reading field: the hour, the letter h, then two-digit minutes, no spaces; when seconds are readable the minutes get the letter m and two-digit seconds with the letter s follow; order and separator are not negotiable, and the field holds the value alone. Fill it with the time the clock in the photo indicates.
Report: 8h59
